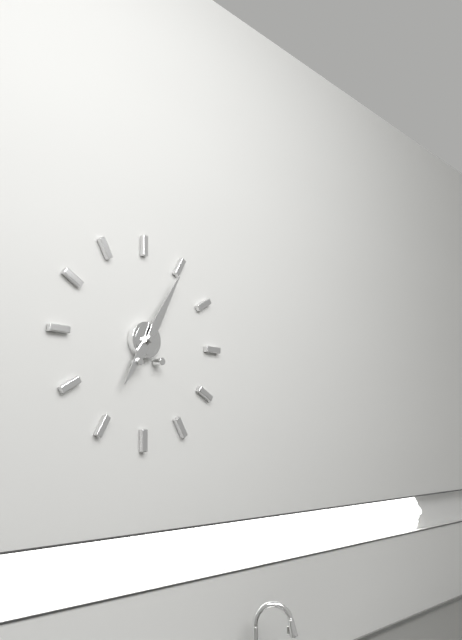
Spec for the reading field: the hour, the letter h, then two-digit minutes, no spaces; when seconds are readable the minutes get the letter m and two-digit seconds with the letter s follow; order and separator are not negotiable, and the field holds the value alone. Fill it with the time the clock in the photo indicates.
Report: 7h05
